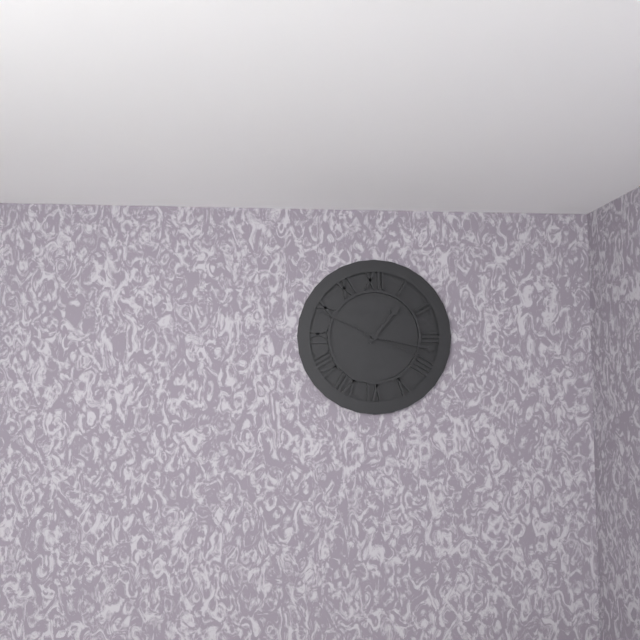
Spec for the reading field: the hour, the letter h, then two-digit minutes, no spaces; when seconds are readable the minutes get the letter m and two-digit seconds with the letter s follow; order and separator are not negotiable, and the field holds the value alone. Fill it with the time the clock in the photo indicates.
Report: 1h17m49s
